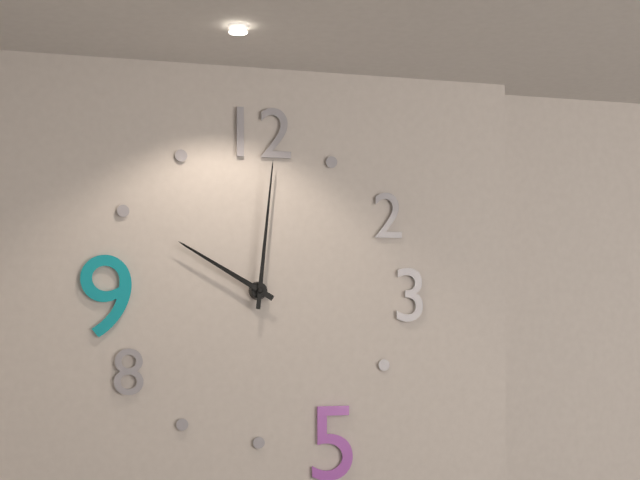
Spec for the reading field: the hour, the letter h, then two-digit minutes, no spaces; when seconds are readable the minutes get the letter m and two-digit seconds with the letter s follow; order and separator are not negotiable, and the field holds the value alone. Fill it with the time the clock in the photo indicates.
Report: 10h01
